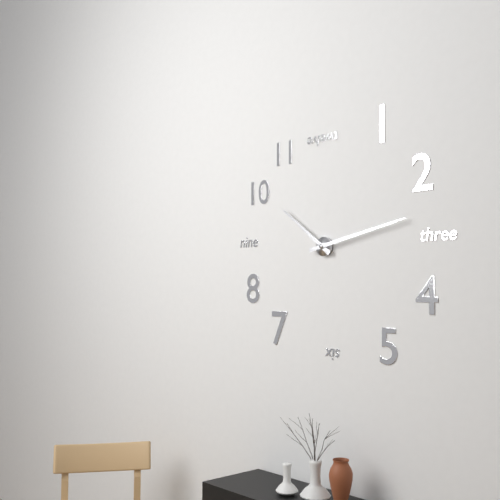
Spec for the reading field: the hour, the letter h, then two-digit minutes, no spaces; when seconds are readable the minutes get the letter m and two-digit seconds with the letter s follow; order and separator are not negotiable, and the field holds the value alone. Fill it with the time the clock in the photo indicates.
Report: 10h13
